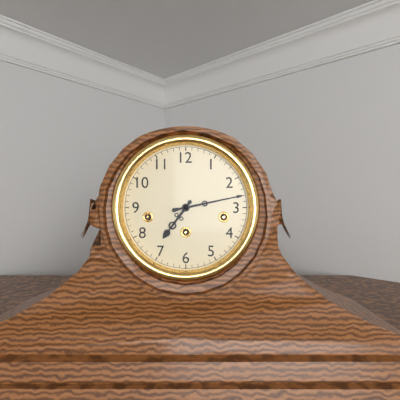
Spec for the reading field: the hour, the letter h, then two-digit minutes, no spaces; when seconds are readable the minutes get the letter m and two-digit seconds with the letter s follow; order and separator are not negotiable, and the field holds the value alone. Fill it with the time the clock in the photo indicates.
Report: 7h13
